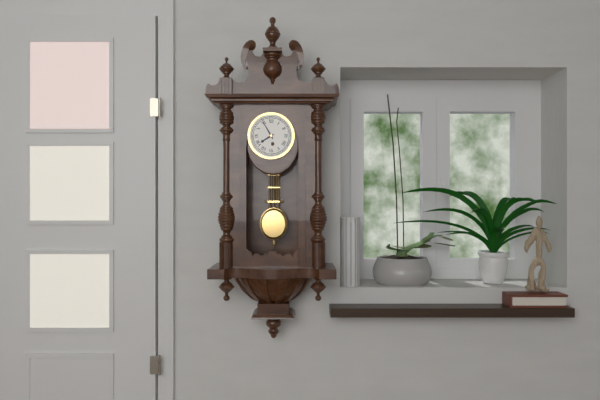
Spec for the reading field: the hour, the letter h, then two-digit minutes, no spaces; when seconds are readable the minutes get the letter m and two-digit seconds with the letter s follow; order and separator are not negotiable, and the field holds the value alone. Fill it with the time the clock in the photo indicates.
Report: 7h55
